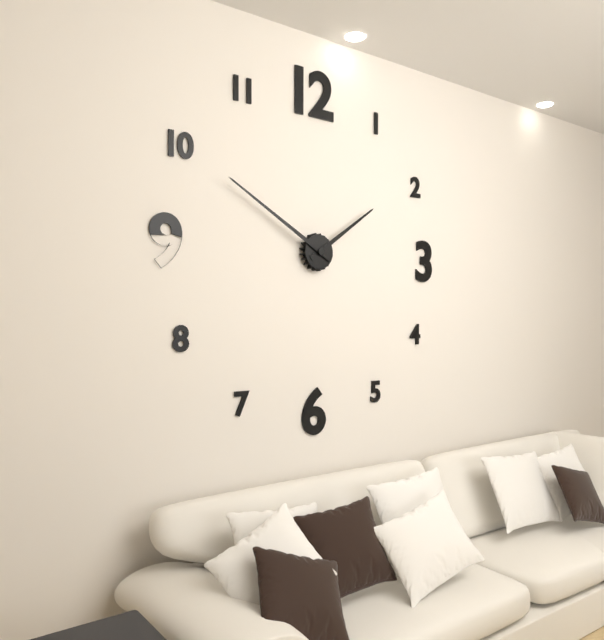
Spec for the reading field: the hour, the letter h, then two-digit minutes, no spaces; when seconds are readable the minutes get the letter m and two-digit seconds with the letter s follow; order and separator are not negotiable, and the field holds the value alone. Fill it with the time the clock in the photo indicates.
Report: 1h50
